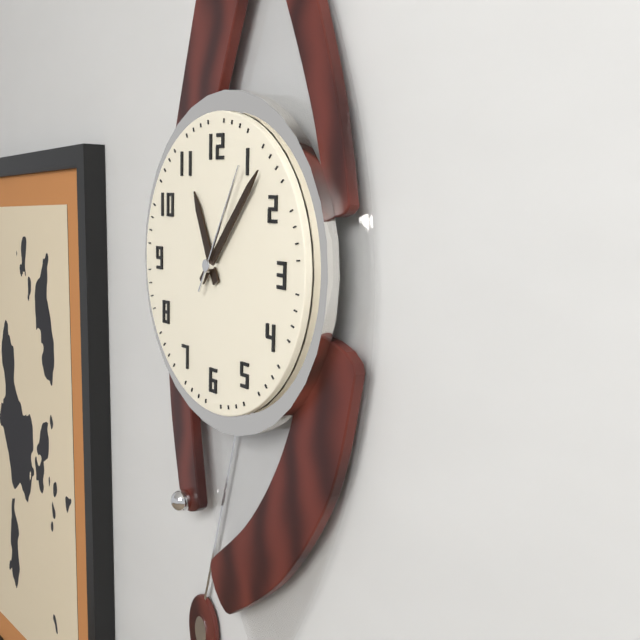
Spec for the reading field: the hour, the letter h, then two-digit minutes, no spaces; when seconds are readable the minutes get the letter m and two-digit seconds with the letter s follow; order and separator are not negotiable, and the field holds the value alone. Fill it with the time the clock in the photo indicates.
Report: 11h07m05s
